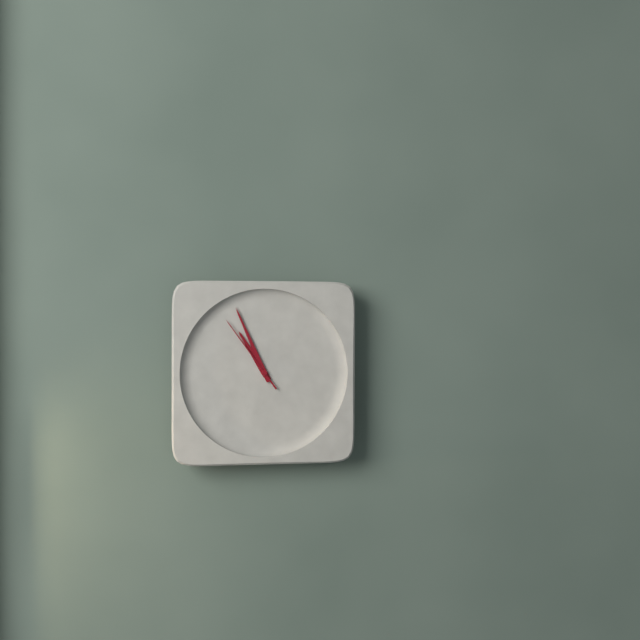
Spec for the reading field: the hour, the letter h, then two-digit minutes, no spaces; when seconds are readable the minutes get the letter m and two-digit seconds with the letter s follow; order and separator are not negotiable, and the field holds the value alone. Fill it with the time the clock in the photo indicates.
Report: 10h56m54s
